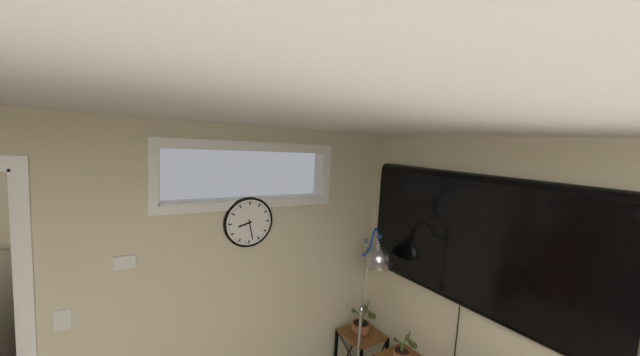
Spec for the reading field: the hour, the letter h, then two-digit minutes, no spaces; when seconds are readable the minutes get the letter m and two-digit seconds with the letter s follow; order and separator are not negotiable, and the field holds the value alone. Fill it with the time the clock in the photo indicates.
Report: 8h28
